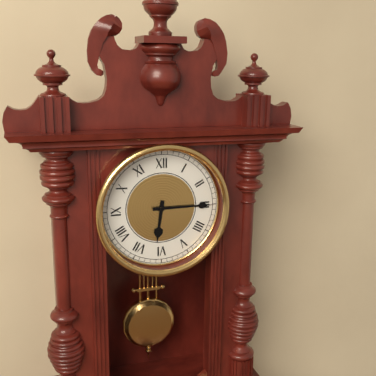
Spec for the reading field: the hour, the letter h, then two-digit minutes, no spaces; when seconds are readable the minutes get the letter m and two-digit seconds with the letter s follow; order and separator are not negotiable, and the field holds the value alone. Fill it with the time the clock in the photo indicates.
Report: 6h15
